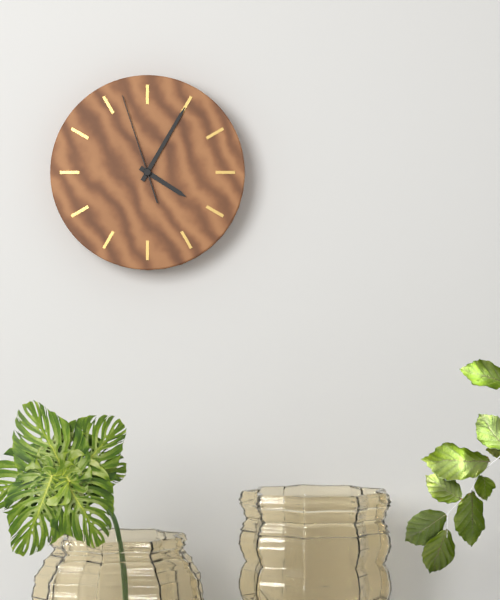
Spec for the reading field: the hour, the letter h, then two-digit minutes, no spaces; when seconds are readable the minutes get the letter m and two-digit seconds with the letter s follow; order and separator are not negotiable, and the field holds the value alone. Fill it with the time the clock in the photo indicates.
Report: 4h05m57s
